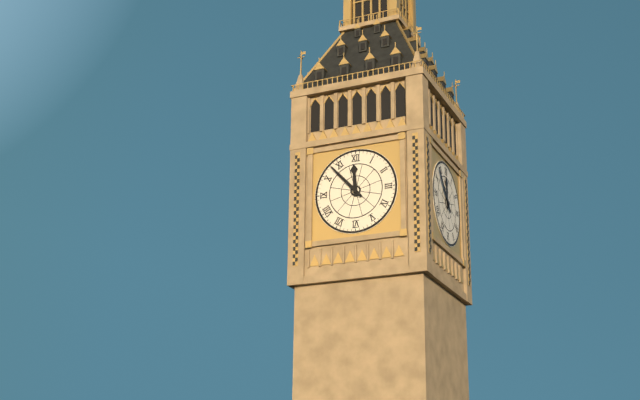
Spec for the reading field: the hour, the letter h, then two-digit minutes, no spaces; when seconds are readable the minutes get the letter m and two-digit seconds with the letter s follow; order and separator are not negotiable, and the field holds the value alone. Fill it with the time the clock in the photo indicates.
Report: 11h53
